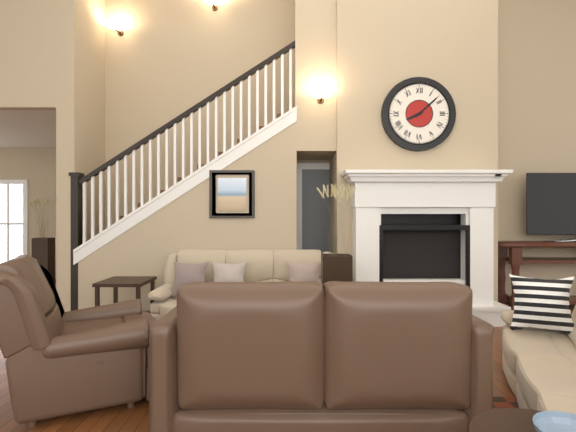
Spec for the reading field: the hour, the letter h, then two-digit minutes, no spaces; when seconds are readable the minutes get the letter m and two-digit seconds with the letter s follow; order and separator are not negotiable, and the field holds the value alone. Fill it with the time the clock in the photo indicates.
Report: 8h08
